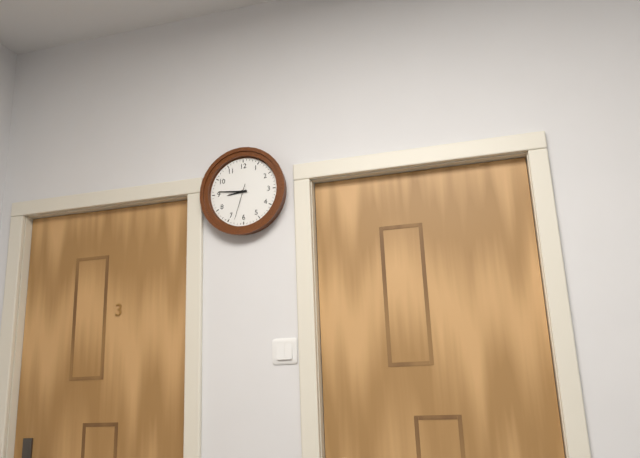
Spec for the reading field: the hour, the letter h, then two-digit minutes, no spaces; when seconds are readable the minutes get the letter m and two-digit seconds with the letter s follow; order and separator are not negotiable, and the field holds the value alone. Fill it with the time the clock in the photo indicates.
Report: 8h46
